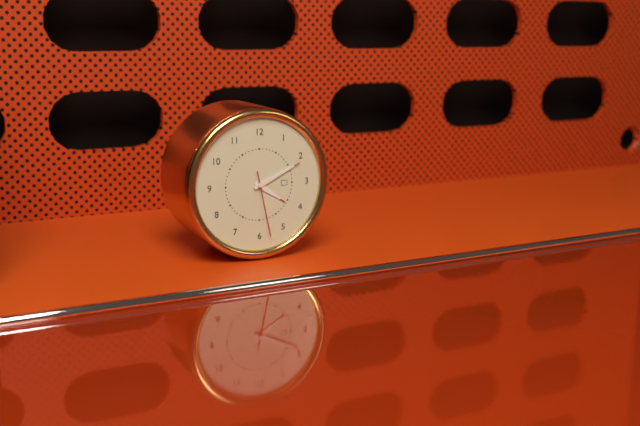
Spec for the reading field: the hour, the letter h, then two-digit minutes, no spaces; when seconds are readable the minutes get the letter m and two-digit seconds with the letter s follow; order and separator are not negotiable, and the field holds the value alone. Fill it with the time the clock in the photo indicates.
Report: 4h11m28s
